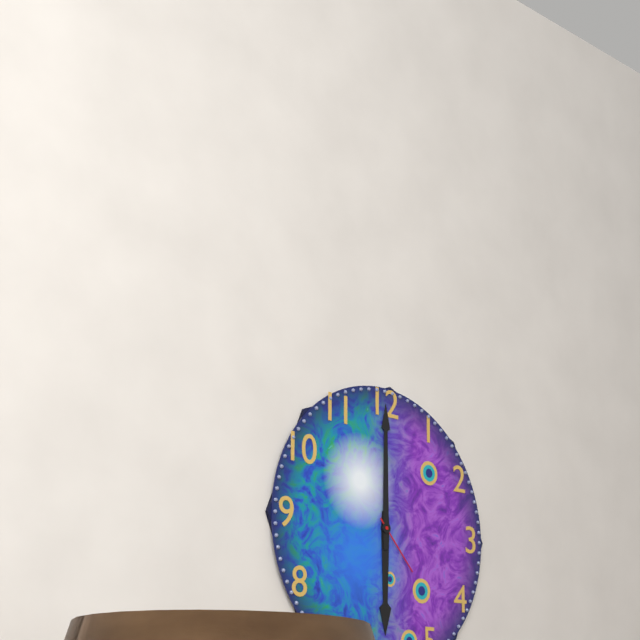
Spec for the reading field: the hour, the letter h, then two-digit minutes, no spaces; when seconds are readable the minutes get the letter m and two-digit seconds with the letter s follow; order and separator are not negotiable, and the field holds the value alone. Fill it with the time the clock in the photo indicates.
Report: 6h00m23s
